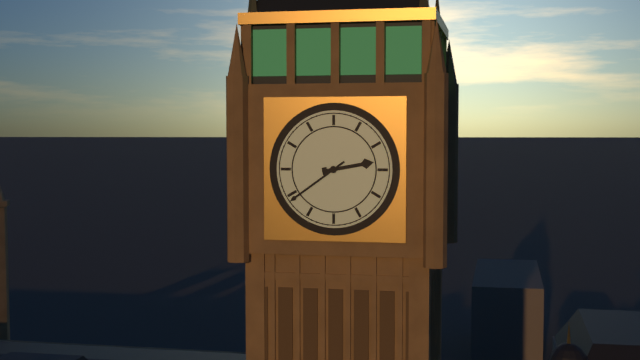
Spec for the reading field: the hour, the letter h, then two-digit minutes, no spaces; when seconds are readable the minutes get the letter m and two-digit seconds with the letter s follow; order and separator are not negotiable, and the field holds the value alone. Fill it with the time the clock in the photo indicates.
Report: 2h39
